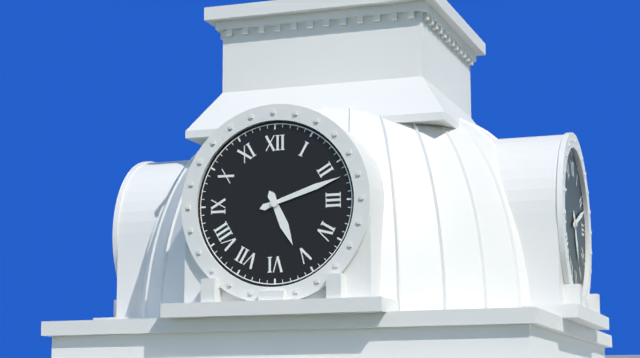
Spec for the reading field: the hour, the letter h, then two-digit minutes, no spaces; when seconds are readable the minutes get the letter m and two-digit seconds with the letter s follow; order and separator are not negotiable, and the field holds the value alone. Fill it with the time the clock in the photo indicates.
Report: 5h12
